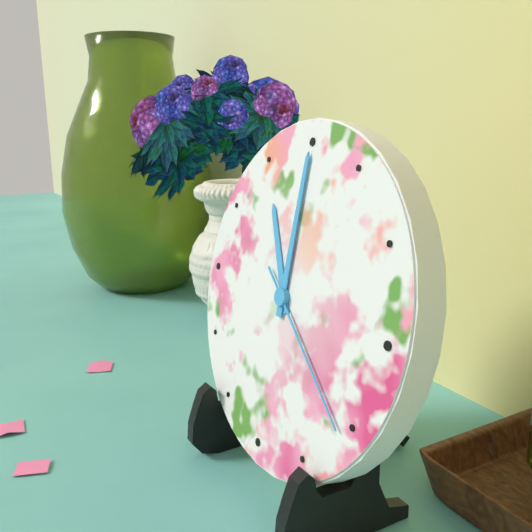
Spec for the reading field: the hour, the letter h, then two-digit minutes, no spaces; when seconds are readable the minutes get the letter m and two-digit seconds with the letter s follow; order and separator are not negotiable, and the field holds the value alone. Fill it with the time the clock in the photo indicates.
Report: 11h00m21s
